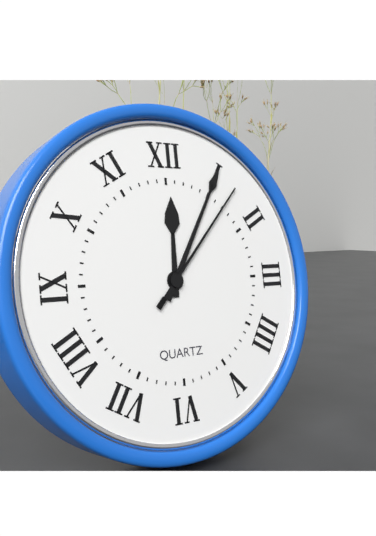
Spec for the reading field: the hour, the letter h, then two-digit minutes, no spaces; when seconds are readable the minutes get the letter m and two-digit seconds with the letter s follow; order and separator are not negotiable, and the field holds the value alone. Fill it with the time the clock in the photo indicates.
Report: 12h05m07s
